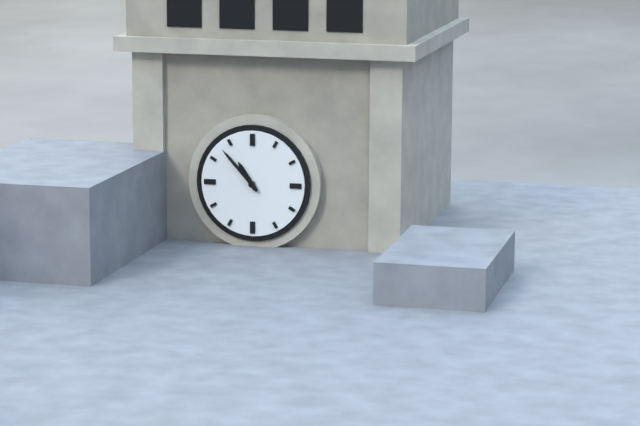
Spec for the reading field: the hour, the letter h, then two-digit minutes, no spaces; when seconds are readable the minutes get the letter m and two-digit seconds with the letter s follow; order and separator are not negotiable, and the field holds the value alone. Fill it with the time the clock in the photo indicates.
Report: 10h53
